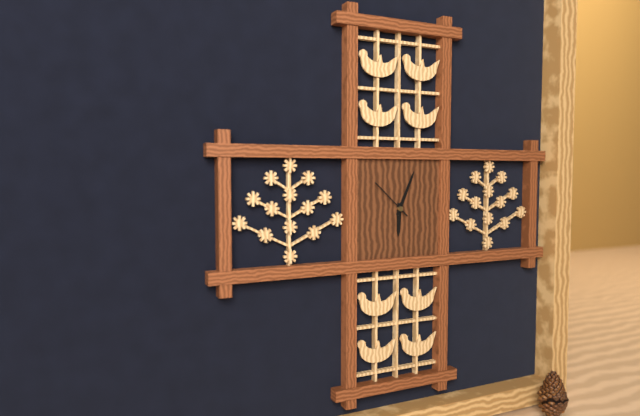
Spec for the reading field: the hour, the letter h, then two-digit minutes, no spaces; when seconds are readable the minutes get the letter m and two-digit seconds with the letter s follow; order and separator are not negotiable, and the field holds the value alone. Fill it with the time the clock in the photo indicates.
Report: 6h04
